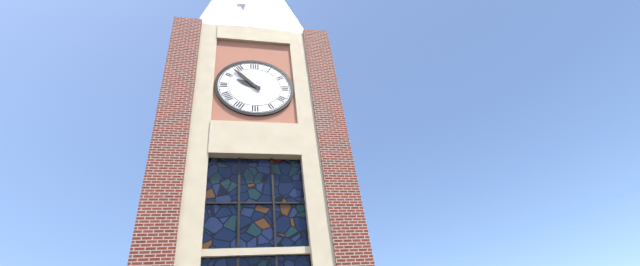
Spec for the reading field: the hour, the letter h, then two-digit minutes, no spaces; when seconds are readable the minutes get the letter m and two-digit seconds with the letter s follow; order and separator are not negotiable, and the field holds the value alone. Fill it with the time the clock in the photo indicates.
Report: 9h53
